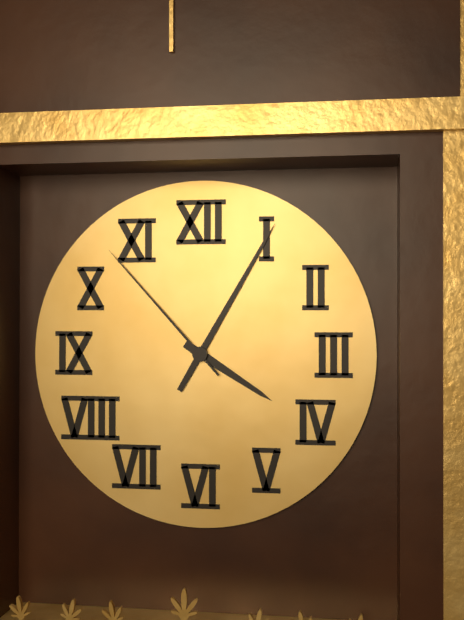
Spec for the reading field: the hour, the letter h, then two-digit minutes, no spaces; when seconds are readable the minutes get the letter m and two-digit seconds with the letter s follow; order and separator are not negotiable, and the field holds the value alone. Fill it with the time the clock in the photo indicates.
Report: 4h05m53s
